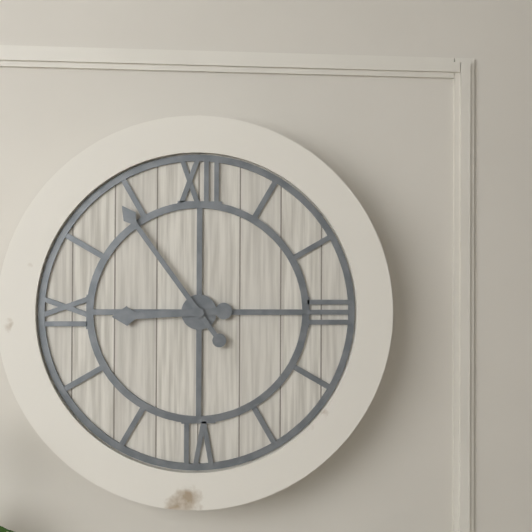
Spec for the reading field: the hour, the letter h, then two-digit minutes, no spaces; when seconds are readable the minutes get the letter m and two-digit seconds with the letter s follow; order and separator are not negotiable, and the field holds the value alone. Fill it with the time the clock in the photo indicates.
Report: 8h54
